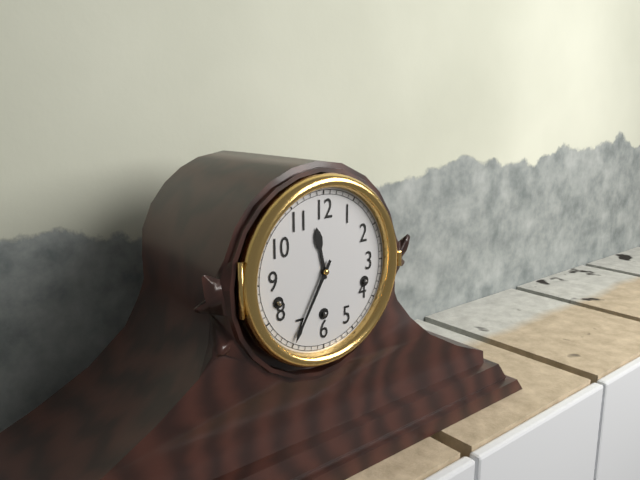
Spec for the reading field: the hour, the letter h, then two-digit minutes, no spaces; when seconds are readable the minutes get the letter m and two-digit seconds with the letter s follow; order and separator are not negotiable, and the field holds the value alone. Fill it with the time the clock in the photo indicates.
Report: 11h35
